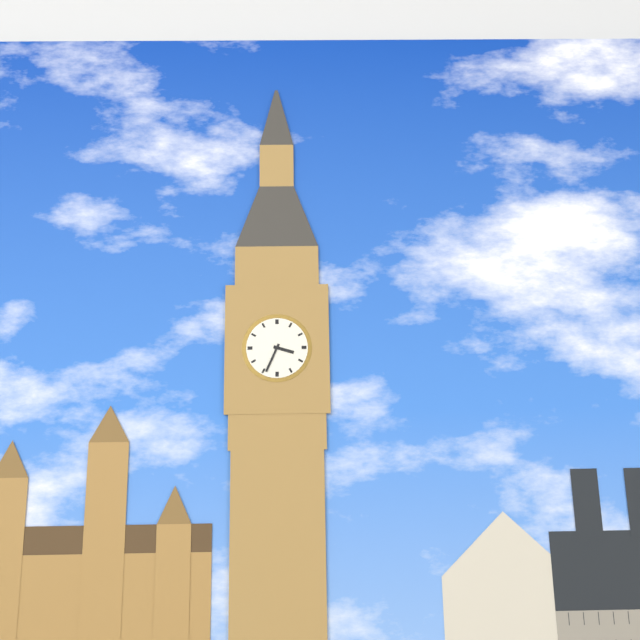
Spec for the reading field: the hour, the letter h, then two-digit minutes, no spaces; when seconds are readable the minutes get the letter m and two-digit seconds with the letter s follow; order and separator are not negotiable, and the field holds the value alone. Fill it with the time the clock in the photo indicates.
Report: 3h34
